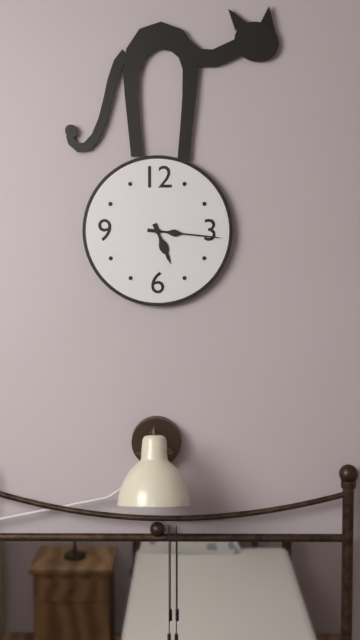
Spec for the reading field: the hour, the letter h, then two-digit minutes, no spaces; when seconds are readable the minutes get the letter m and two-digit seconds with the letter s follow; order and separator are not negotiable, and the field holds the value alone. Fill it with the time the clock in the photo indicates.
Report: 5h16
